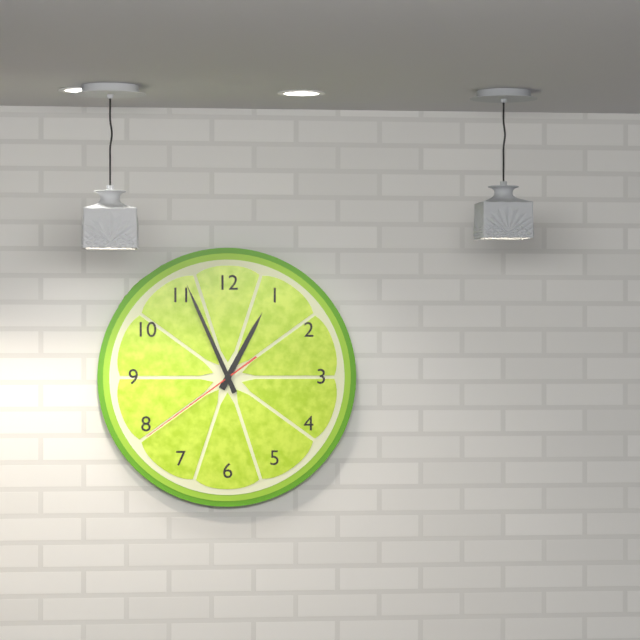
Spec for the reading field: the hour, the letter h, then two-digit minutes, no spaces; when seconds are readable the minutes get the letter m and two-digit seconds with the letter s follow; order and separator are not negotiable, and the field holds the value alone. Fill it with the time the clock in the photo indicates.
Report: 12h56m39s
